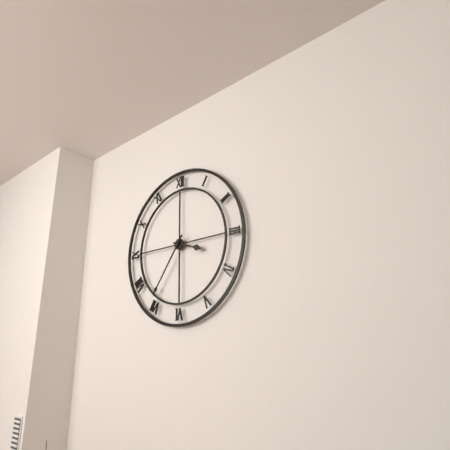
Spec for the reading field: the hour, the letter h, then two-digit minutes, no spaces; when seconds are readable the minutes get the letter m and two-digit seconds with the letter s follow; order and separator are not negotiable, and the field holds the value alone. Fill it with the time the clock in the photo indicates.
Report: 3h36
